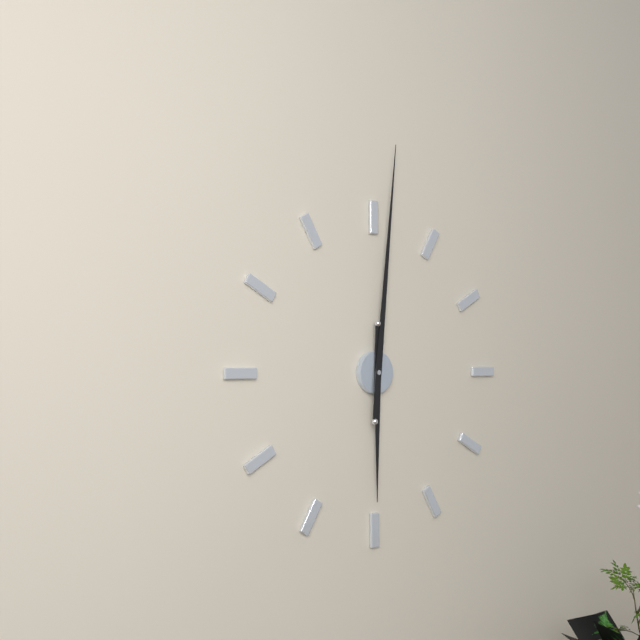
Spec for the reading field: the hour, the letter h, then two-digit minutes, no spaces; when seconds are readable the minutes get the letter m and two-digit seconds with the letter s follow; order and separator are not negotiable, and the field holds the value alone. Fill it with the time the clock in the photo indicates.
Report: 6h01
